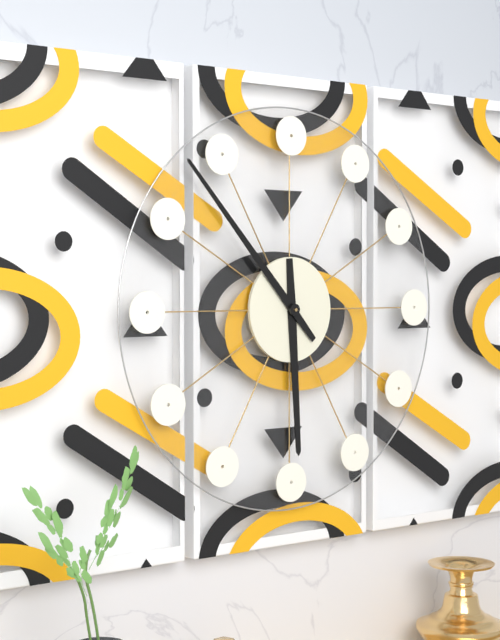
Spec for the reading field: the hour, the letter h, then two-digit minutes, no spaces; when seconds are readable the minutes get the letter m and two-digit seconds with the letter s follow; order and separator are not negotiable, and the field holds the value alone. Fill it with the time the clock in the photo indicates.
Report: 5h53
